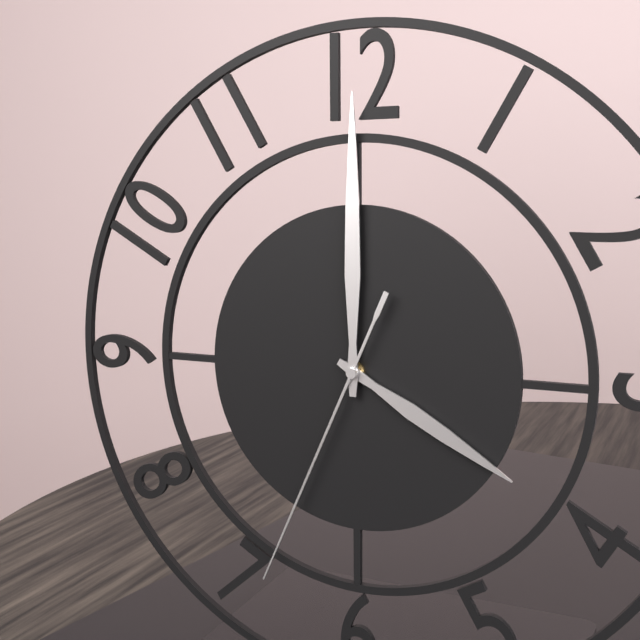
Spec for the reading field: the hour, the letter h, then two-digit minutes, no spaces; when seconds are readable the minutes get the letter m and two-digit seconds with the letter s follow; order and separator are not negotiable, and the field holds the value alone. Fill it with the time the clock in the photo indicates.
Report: 4h00m34s
